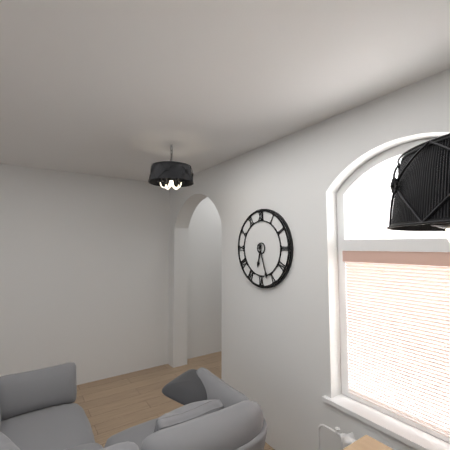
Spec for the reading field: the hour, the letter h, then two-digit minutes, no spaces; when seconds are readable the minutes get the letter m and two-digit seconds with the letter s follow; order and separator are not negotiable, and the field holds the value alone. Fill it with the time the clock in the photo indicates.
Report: 6h27
